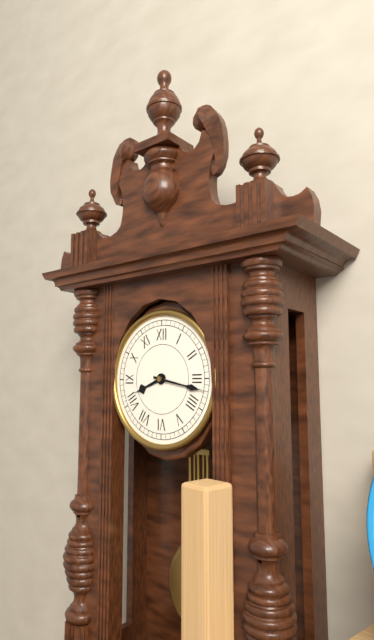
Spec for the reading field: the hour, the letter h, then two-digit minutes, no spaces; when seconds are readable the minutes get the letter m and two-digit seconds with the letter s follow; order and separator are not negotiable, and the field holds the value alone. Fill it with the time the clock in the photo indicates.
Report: 8h17
